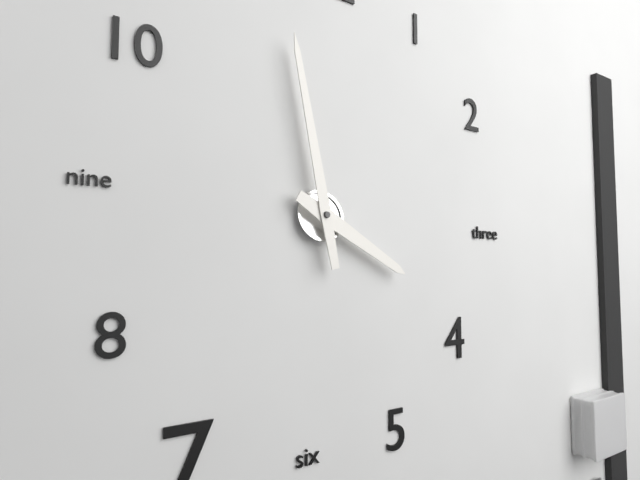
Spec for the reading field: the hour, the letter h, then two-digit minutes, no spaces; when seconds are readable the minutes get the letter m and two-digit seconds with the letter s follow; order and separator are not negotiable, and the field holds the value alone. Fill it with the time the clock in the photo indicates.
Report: 3h58
